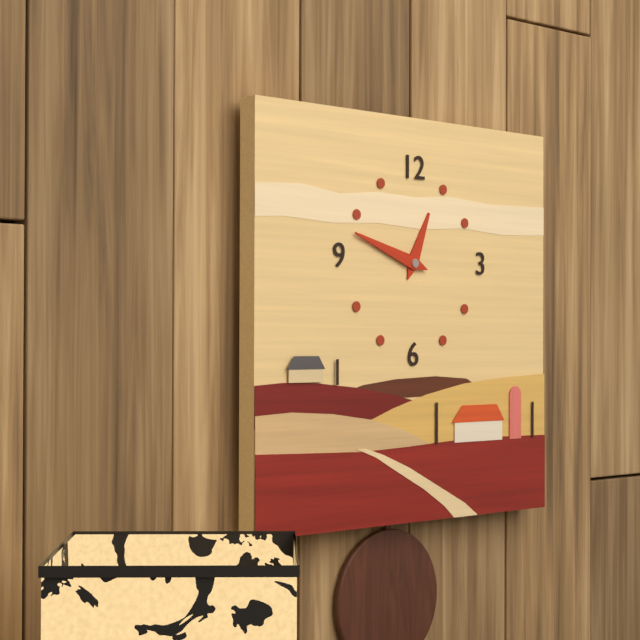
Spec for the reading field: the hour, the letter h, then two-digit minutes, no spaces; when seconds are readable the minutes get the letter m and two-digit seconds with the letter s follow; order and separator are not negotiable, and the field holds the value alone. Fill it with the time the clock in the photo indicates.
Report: 12h48
